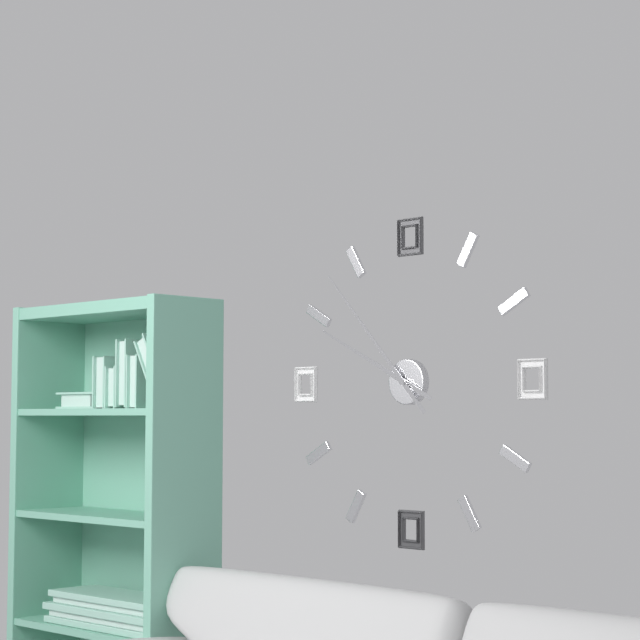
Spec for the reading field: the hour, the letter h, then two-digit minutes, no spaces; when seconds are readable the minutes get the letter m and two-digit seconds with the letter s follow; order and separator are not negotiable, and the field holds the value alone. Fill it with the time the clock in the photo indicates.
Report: 9h53
